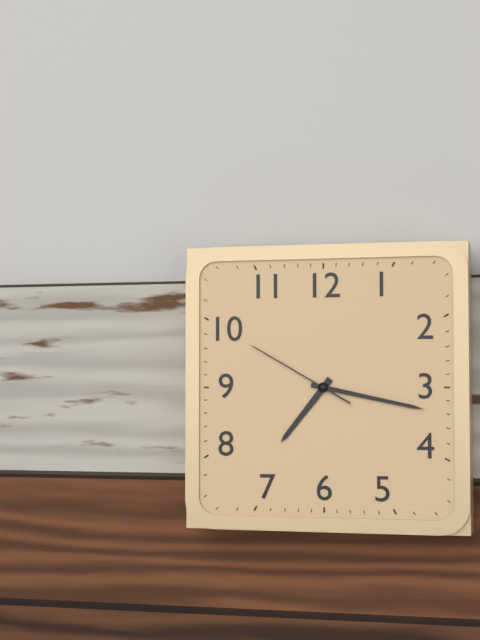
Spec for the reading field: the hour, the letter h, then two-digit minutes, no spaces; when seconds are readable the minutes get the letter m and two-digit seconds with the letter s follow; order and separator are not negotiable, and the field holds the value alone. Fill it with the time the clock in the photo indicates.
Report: 7h17m50s
